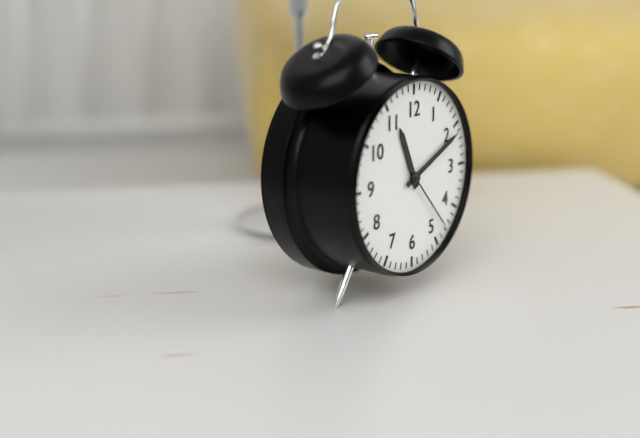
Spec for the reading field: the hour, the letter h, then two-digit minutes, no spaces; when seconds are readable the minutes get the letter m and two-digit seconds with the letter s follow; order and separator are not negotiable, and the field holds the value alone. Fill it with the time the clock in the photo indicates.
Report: 11h11m23s
